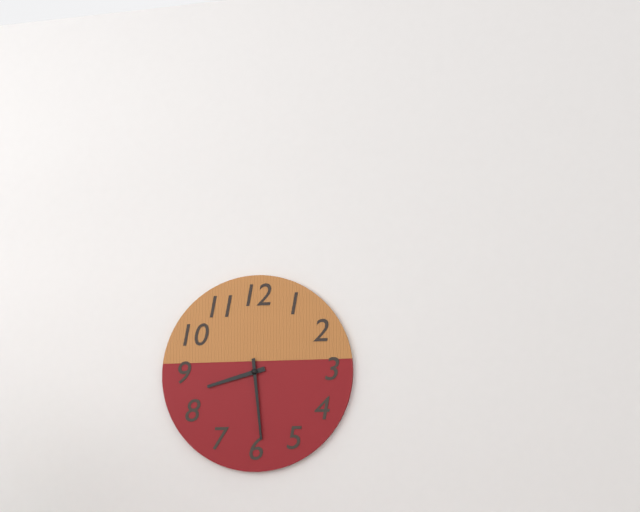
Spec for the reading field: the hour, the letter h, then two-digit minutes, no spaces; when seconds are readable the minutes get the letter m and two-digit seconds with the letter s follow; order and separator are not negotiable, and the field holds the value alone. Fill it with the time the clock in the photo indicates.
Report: 8h29
